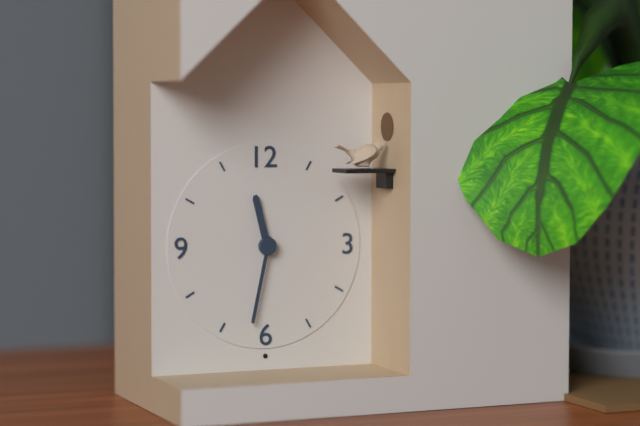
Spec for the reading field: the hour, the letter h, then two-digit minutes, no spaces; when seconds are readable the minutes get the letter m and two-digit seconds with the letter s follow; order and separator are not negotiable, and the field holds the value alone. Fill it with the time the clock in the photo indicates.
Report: 11h32
